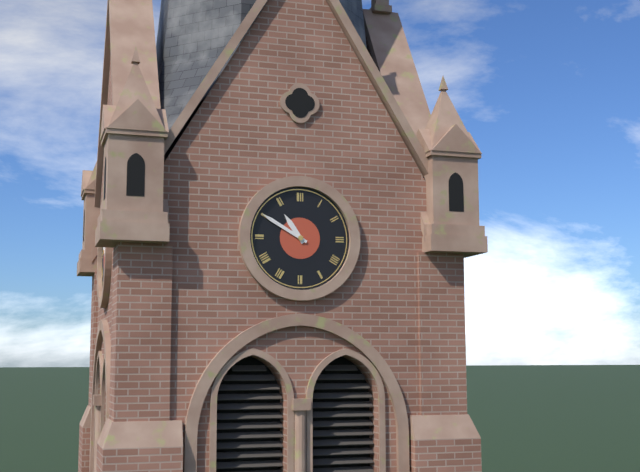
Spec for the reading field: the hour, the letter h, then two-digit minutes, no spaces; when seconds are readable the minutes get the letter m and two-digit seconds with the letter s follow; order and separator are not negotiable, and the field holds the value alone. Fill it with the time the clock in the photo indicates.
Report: 10h50
